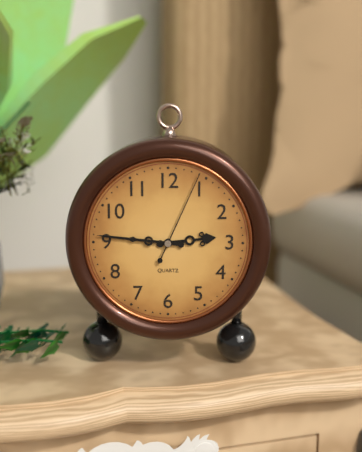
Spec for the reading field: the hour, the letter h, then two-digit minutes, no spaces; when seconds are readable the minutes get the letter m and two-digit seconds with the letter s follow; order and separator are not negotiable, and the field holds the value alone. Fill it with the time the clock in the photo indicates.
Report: 2h46m04s
